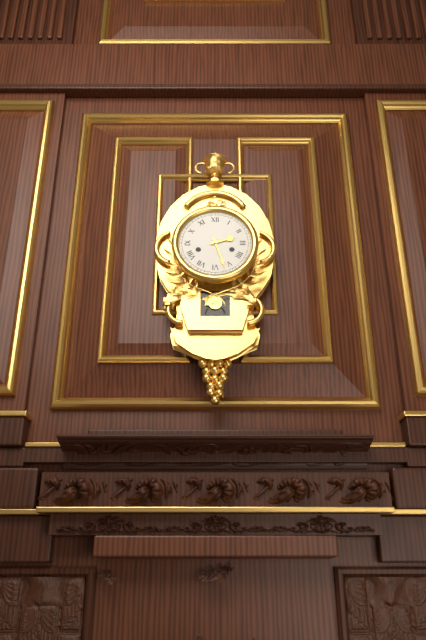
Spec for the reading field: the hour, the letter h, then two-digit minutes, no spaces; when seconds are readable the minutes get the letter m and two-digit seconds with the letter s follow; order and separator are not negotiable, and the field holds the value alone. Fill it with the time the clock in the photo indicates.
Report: 2h27
